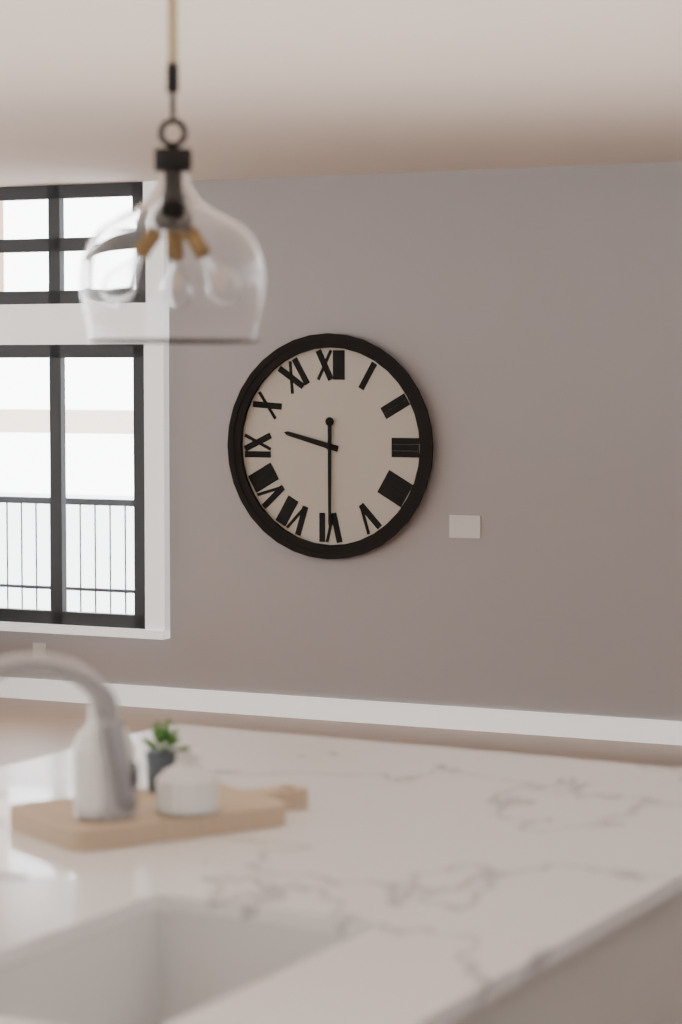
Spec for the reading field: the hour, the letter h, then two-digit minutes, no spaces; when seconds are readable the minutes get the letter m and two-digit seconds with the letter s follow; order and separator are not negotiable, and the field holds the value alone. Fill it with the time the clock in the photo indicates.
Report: 9h30
